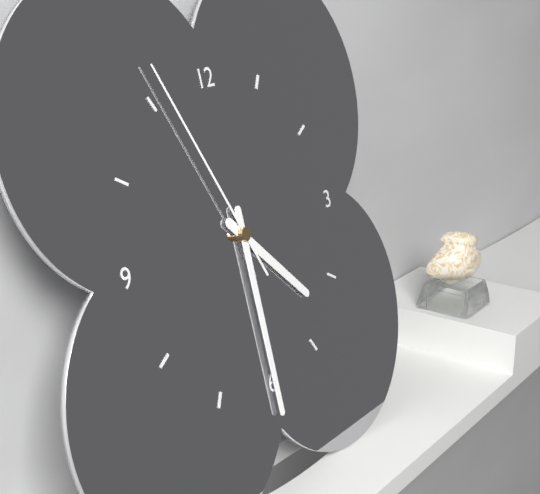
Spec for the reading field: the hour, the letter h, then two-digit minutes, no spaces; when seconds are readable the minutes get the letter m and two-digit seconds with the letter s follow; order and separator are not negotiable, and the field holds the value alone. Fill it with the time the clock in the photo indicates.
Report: 4h30m56s
